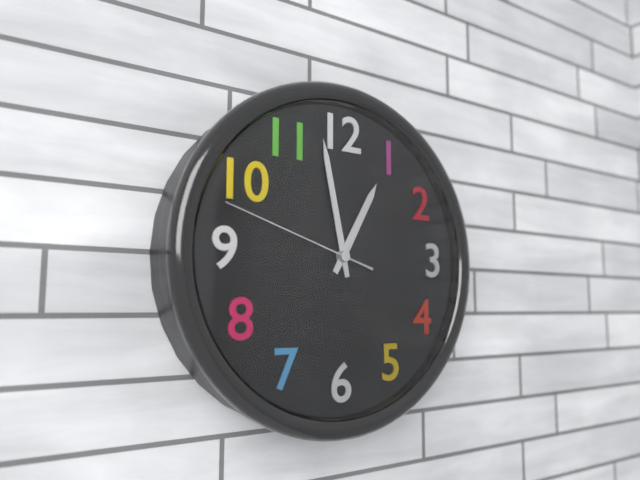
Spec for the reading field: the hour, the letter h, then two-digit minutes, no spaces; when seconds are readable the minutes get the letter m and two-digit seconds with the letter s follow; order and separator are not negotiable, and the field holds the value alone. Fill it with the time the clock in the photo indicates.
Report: 12h58m48s
